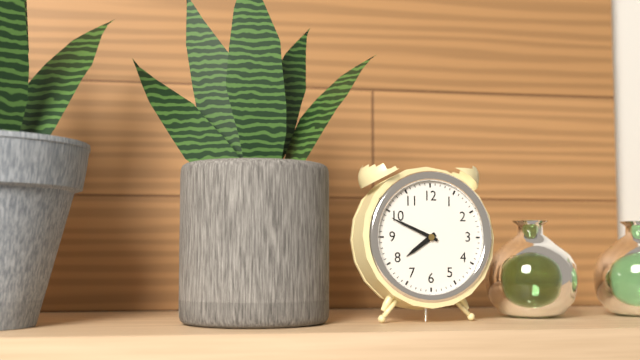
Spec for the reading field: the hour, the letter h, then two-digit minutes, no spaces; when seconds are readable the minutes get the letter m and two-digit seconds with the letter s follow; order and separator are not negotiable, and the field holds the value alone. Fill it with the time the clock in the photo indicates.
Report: 7h49
